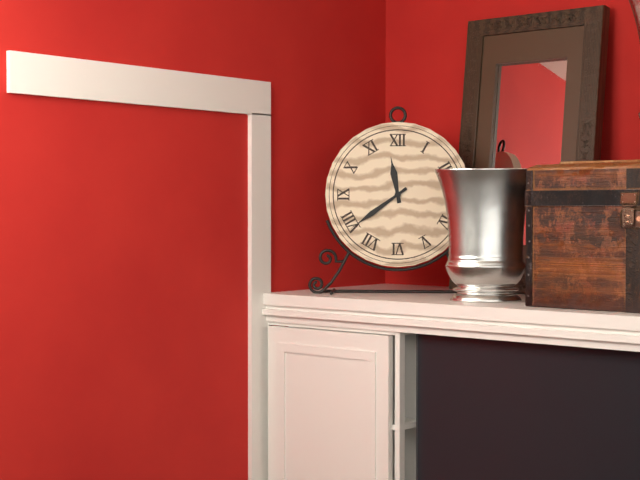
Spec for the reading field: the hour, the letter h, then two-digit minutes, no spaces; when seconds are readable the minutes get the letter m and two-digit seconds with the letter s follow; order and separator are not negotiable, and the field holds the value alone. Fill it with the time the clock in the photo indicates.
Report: 11h39
